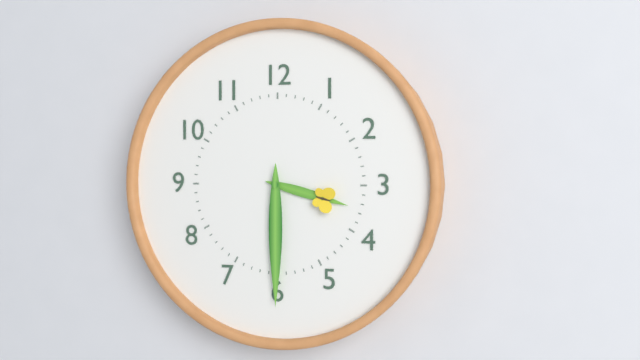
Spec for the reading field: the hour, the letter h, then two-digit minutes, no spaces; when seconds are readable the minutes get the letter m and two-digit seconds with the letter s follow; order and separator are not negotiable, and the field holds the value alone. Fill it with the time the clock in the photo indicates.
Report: 3h30
